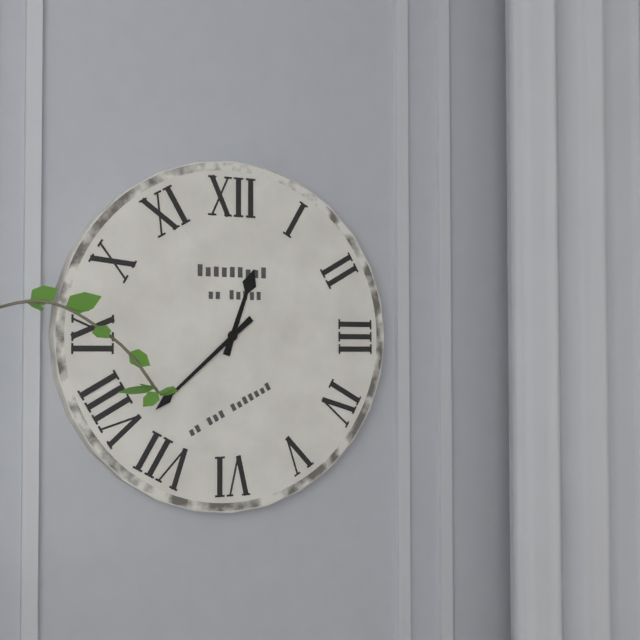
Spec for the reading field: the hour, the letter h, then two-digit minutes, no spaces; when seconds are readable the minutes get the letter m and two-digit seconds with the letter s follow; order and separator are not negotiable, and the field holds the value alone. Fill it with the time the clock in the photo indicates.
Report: 12h38
